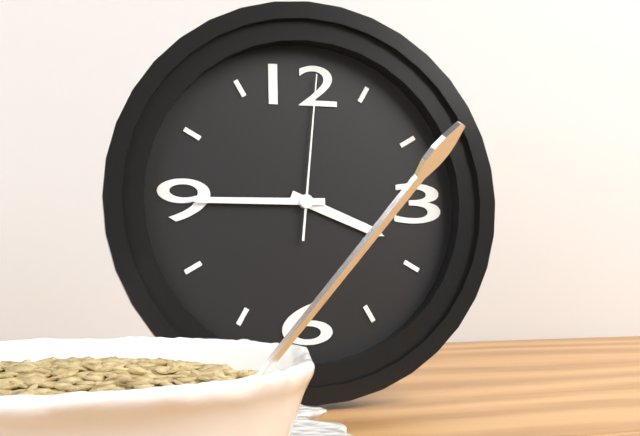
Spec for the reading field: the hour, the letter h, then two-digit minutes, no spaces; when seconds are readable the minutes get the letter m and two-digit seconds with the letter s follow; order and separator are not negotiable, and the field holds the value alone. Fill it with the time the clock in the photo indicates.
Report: 3h45m01s
